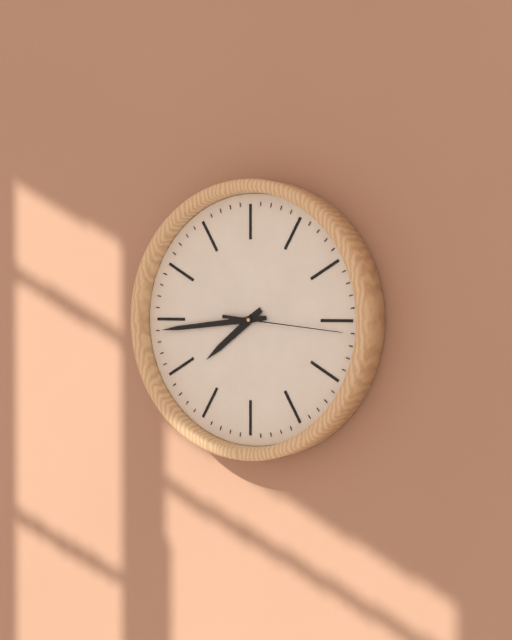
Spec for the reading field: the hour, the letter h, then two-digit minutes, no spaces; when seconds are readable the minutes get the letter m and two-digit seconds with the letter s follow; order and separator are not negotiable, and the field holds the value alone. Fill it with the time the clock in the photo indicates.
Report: 7h44m16s
